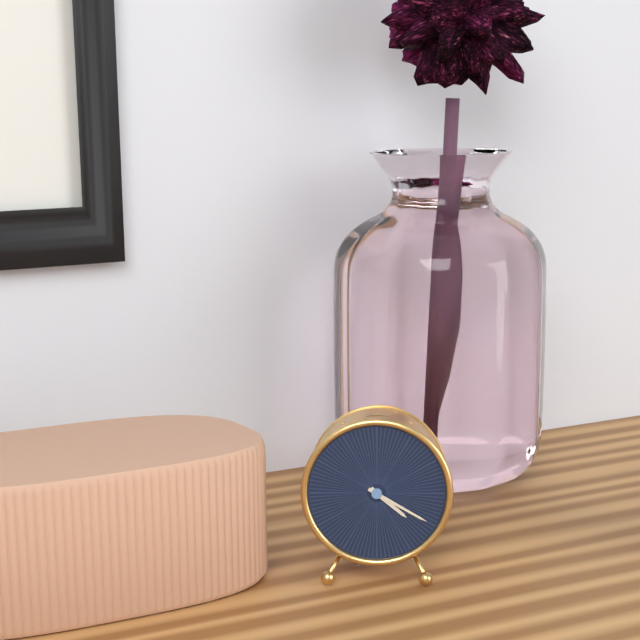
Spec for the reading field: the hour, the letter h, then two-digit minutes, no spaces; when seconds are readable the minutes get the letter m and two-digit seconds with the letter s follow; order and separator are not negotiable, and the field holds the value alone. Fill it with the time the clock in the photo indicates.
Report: 4h20
